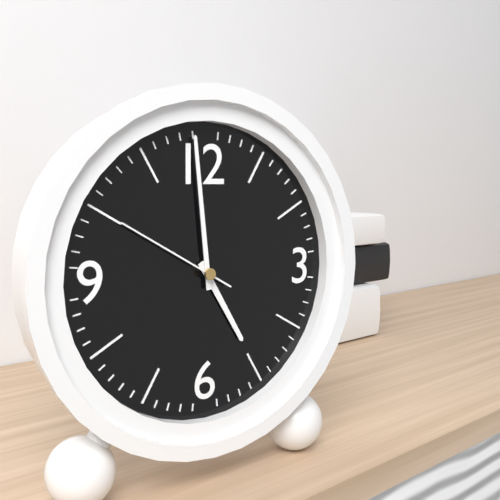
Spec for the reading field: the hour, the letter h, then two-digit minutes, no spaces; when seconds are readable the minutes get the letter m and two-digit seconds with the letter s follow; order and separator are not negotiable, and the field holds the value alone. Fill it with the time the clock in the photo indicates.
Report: 4h59m50s
